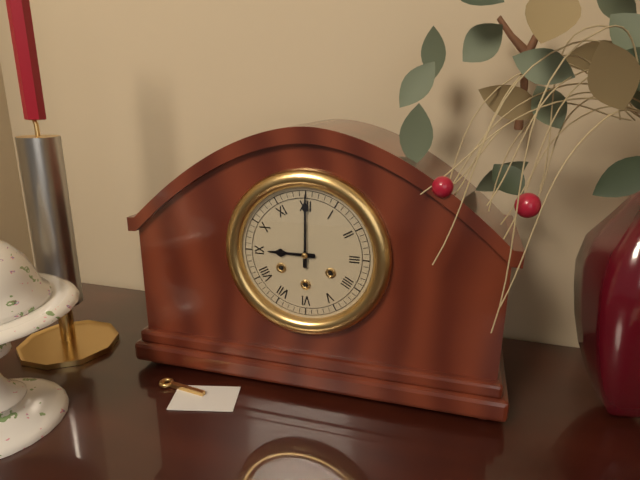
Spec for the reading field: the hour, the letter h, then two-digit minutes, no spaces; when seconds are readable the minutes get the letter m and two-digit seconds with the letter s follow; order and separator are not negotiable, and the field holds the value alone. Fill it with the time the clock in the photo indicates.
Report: 9h00
